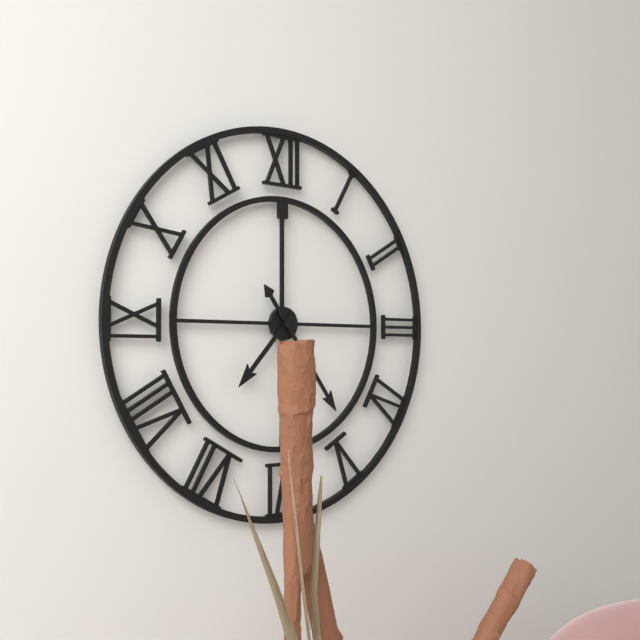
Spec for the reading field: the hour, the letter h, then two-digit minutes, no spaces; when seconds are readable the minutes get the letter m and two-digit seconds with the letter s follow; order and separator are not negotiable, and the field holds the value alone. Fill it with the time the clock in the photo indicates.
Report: 7h24
